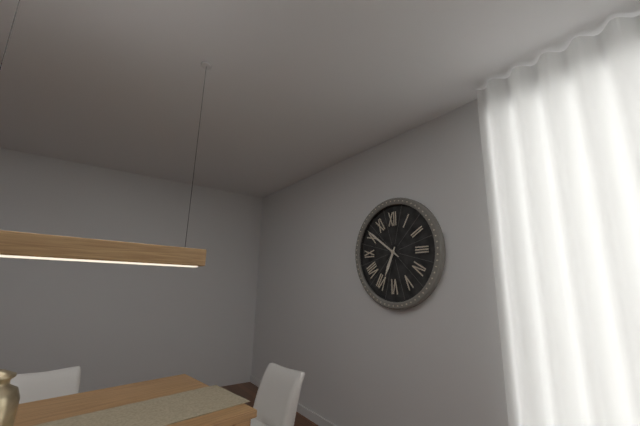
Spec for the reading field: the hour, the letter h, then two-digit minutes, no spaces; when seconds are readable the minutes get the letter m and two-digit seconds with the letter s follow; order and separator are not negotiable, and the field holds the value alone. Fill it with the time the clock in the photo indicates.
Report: 6h51
